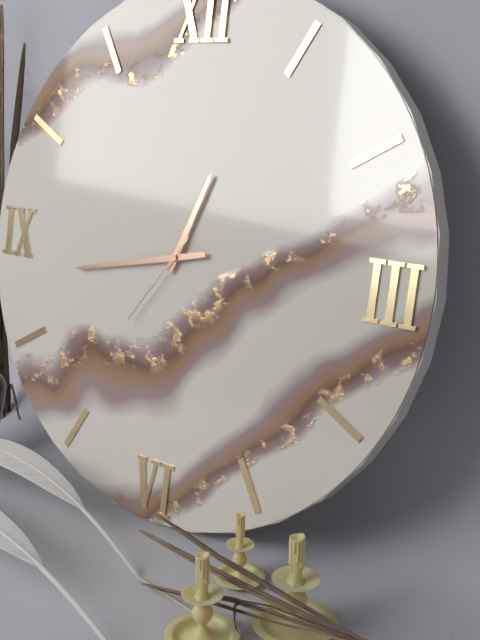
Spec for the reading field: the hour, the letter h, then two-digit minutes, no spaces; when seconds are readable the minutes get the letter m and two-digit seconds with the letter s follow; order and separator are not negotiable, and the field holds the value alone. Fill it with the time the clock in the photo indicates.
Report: 12h43m36s
